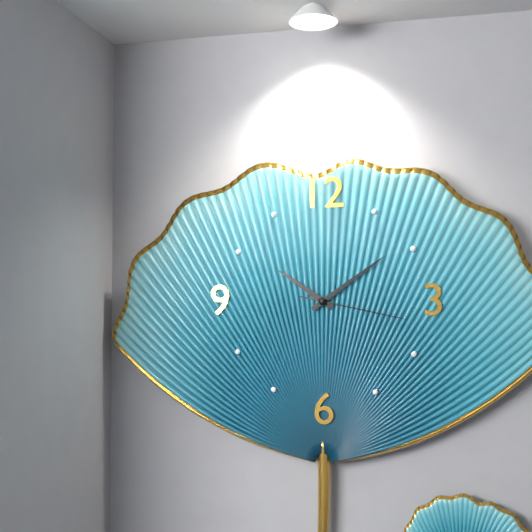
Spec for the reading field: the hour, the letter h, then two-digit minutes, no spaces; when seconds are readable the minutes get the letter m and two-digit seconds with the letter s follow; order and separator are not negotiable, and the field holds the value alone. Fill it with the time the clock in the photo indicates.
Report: 10h09m17s
